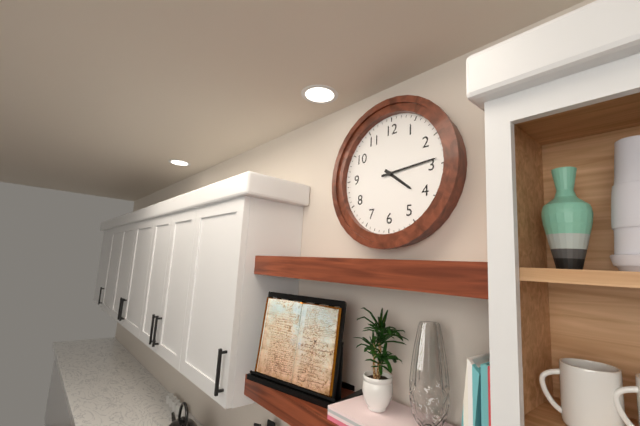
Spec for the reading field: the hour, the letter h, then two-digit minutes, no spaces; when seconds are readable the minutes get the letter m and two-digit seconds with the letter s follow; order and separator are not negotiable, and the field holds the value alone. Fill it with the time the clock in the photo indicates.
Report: 4h14
